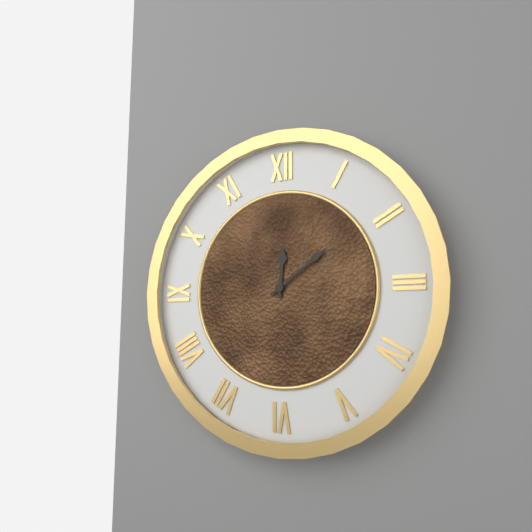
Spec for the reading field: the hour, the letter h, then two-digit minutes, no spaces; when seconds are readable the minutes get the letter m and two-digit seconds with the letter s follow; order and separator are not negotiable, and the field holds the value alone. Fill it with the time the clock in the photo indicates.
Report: 12h09
